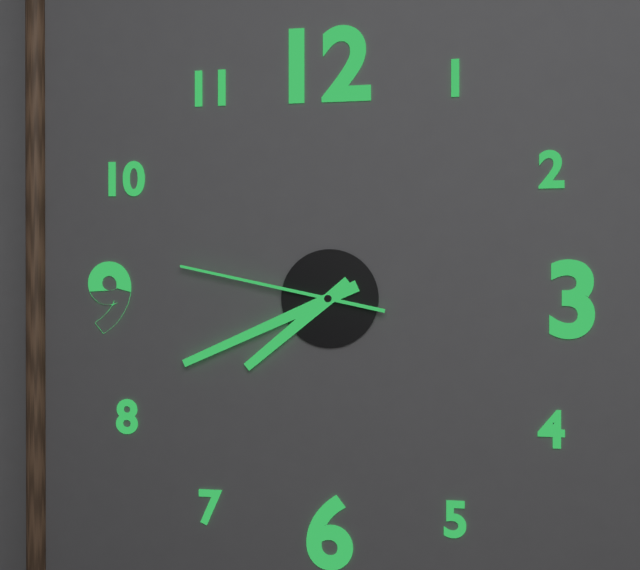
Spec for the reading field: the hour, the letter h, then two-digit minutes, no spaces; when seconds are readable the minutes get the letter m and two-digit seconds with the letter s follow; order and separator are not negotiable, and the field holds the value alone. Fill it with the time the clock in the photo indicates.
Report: 7h41m47s
